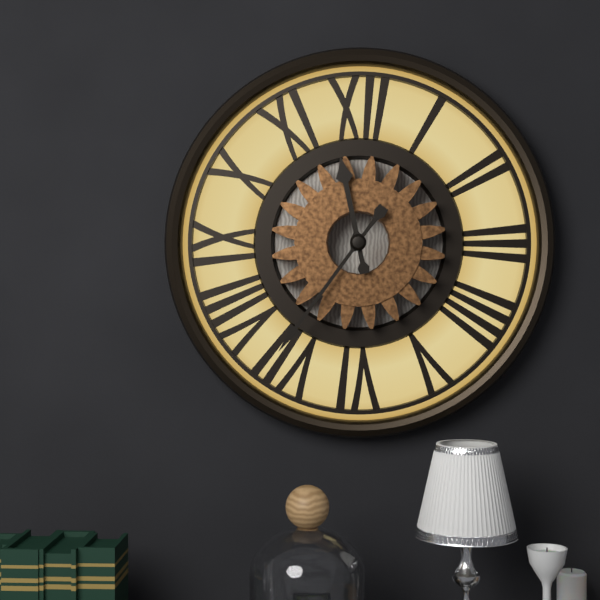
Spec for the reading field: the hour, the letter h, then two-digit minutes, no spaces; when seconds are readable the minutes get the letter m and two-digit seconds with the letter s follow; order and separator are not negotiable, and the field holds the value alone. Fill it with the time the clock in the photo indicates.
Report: 11h36
